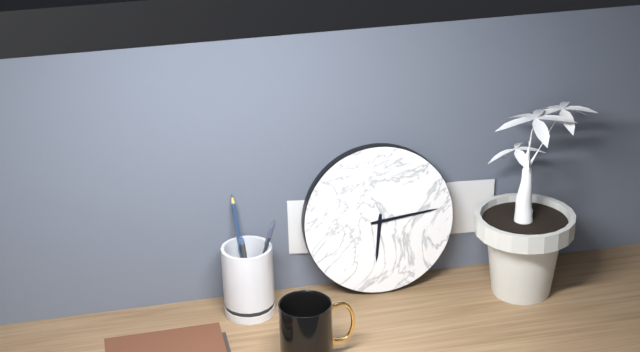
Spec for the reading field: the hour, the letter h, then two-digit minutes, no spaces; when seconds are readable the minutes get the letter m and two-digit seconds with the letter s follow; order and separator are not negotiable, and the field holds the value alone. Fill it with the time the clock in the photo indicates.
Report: 6h14
